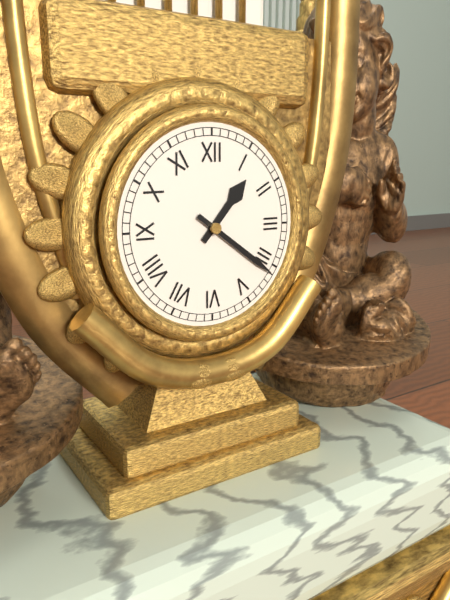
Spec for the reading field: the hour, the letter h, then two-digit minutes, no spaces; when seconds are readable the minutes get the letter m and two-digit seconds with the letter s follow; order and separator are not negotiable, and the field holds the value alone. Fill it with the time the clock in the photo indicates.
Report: 1h21
